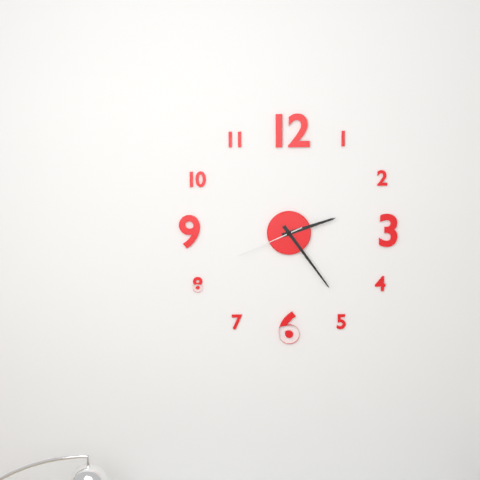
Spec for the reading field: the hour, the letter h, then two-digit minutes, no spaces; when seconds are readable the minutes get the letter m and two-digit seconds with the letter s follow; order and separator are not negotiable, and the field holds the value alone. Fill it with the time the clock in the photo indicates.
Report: 2h24m41s
